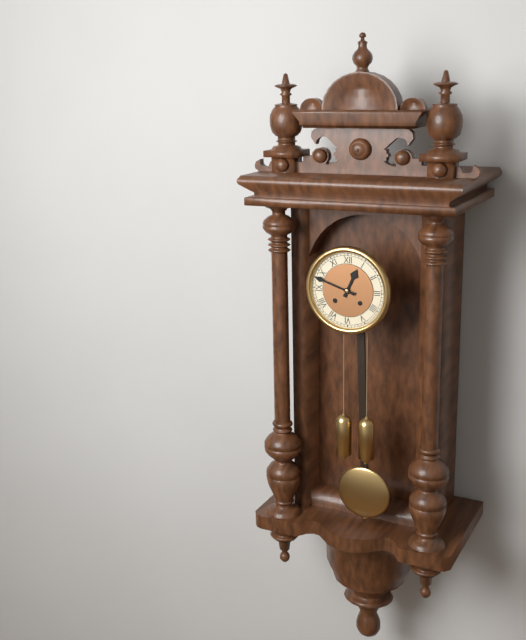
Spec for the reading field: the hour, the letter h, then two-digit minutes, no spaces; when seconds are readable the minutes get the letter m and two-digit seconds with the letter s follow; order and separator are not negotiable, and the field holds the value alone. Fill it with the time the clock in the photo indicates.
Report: 12h48
